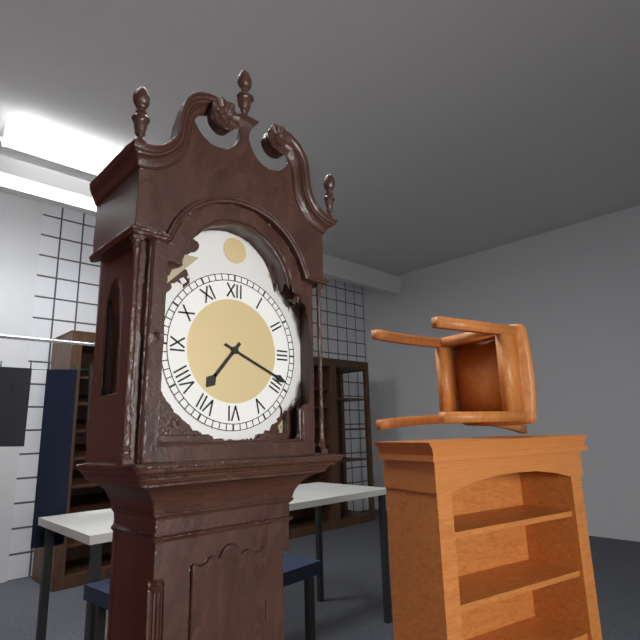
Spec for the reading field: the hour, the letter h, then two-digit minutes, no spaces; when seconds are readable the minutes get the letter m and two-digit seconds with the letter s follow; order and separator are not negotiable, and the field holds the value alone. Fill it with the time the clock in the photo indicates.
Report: 7h19
